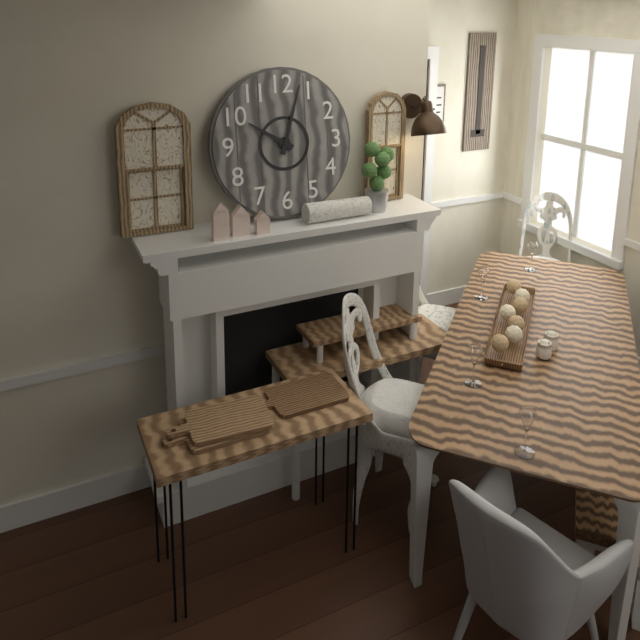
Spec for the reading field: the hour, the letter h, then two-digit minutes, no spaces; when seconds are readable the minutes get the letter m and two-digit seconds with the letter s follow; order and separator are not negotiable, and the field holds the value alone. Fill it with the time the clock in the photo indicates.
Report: 10h03
